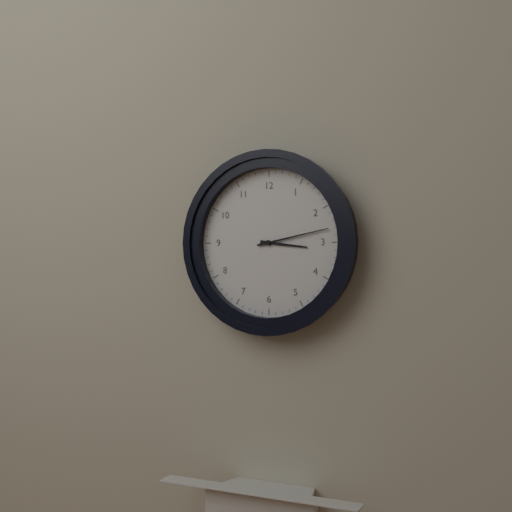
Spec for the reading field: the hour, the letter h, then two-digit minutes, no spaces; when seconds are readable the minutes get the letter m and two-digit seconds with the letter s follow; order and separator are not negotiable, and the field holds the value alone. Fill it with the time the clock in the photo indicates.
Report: 3h13
